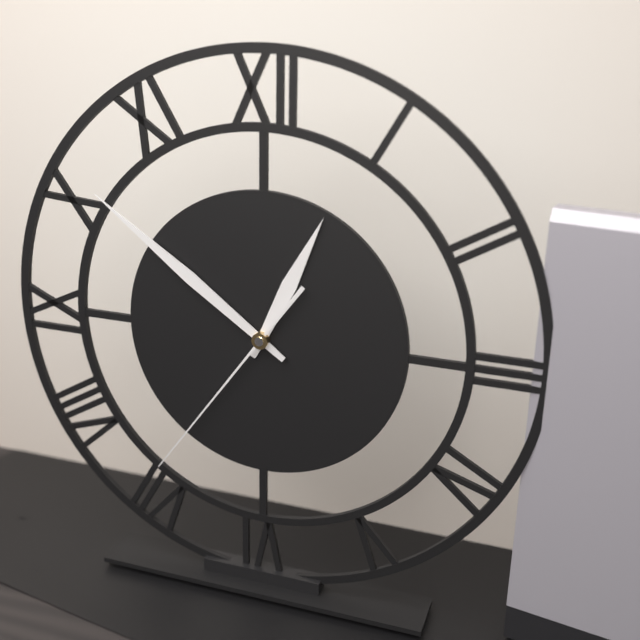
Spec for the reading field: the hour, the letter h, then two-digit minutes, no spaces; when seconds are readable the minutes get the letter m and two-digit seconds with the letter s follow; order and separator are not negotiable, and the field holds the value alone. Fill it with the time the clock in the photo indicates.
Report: 12h51m36s
